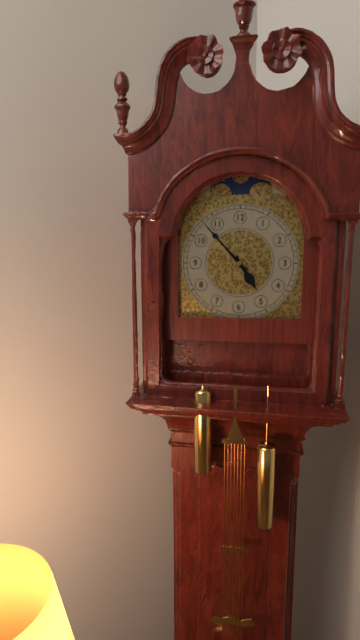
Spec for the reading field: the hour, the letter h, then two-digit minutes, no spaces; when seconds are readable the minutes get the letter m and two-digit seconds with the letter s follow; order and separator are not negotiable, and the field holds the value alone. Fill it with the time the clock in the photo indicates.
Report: 4h53
